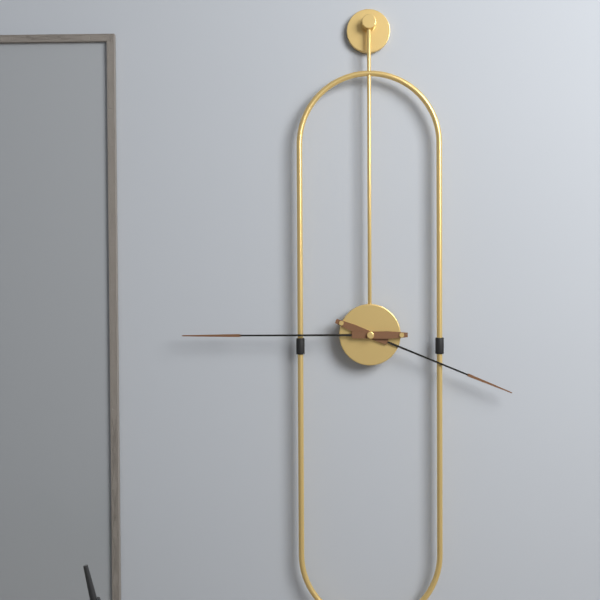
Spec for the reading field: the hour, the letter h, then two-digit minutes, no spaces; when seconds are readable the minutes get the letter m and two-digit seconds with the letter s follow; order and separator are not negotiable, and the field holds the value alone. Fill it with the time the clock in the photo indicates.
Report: 3h45
